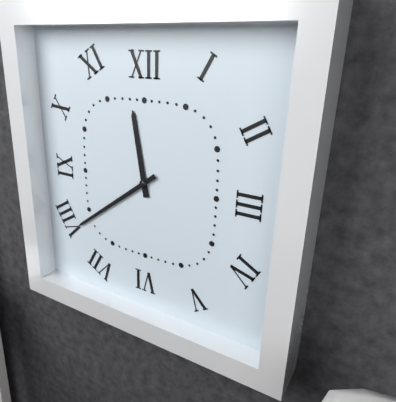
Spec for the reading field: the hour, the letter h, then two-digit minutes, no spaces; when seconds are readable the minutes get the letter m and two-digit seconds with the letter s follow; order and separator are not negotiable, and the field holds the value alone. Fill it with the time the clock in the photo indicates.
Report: 11h39
